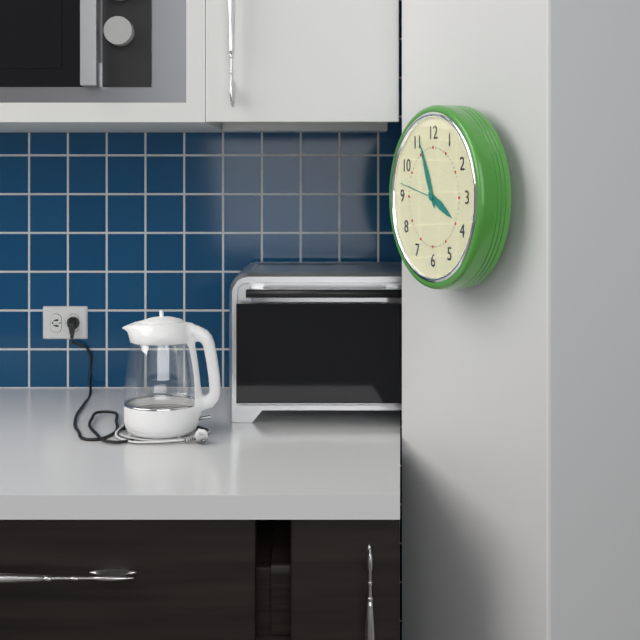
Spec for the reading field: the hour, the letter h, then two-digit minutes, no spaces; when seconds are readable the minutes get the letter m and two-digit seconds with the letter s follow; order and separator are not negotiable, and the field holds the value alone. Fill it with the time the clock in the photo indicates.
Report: 3h56
